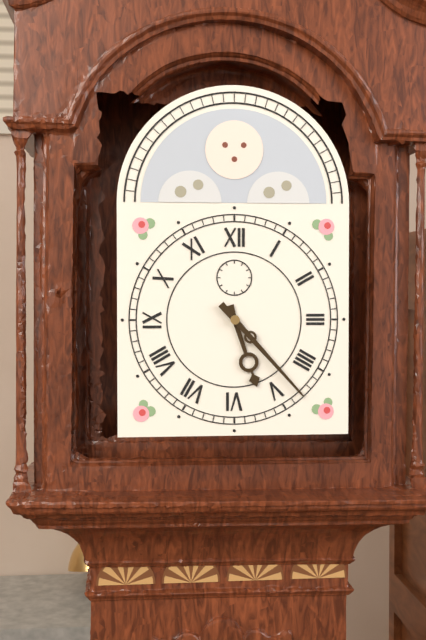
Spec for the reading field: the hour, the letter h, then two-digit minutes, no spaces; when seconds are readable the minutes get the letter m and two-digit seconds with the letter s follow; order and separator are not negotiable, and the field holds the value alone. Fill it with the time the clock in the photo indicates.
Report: 5h23
